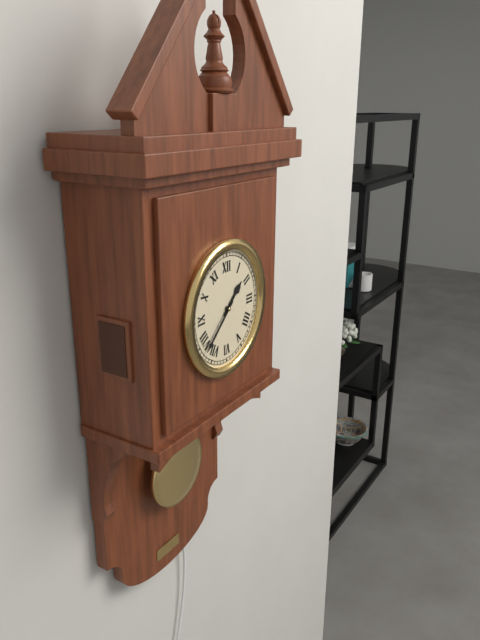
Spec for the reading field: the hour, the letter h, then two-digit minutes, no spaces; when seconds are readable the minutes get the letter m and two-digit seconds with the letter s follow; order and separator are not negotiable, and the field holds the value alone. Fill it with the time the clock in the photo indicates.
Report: 1h38
